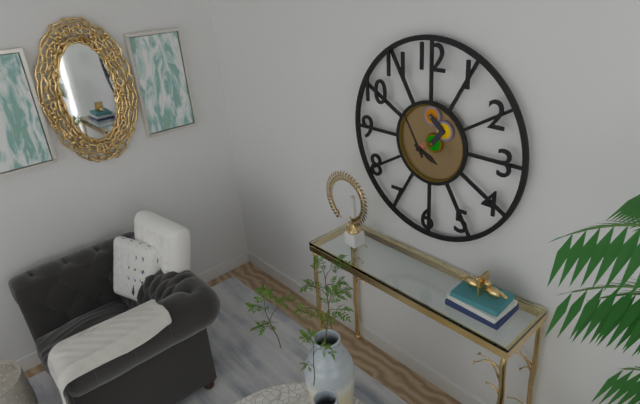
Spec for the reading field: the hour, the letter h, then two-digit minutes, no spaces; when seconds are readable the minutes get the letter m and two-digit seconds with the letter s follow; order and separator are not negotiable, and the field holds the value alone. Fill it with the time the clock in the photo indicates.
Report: 3h55
